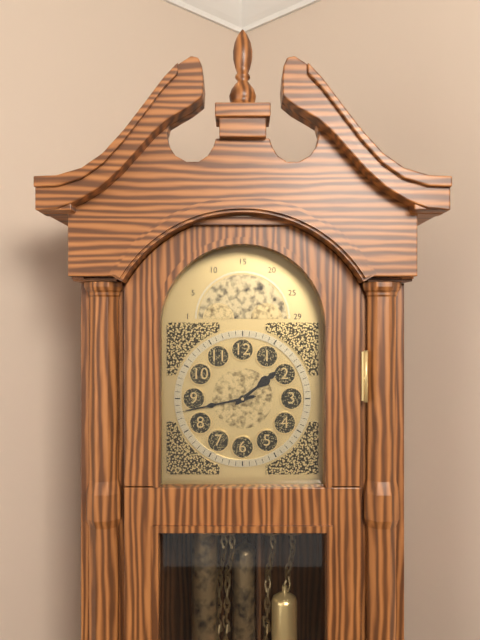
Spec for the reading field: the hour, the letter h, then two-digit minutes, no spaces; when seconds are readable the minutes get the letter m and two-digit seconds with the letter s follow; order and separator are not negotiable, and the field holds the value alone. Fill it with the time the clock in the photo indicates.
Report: 1h43
